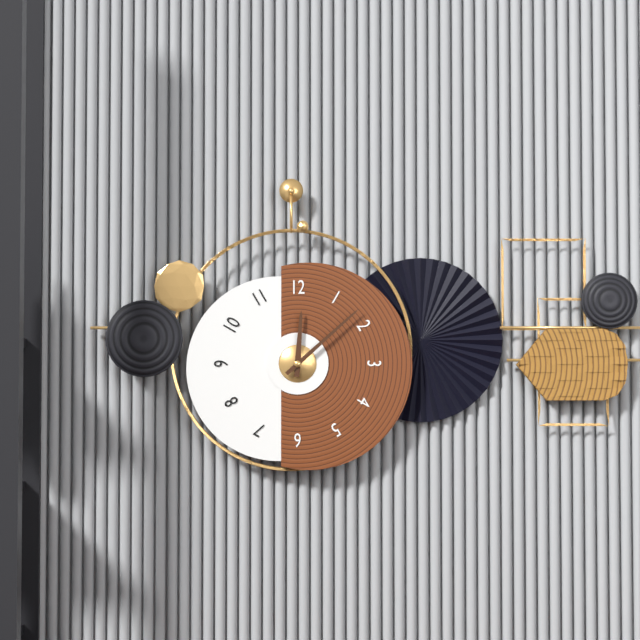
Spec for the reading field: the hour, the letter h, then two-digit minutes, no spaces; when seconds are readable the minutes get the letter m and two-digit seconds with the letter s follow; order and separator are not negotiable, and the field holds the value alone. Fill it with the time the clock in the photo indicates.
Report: 12h08
